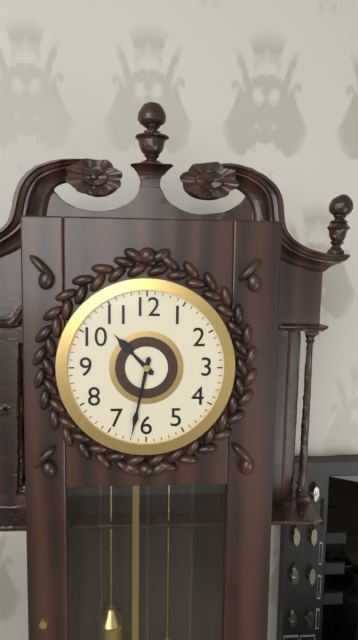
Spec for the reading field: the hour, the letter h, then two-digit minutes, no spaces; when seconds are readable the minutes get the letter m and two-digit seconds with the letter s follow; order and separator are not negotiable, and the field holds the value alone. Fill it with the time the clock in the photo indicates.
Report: 10h32
